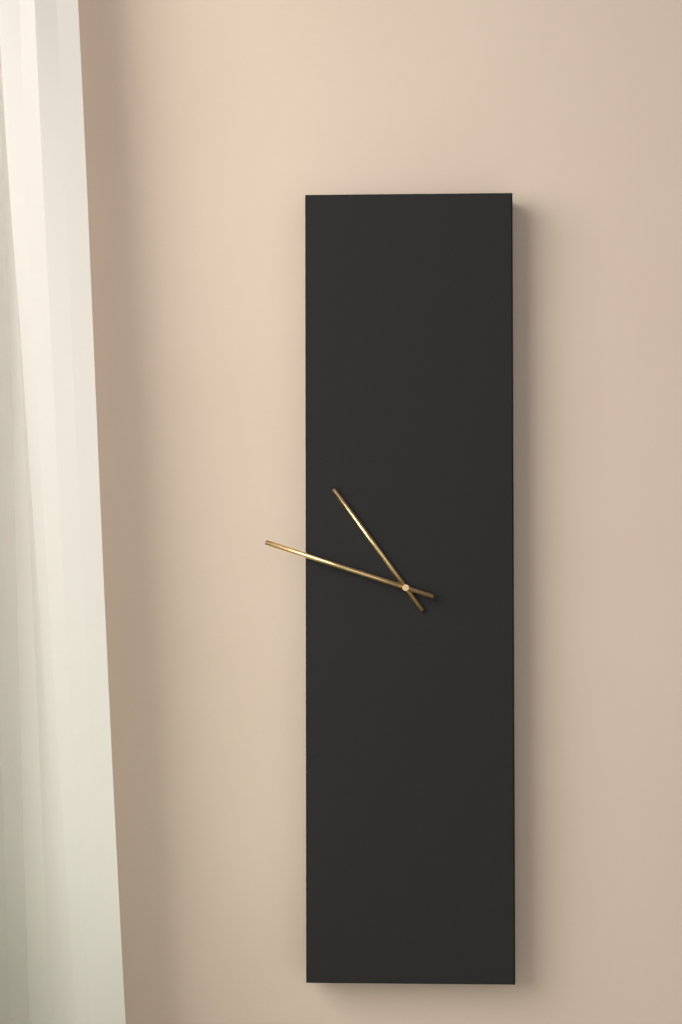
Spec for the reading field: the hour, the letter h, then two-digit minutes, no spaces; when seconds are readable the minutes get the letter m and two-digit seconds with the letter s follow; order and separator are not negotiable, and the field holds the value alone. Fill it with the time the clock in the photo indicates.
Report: 10h48
